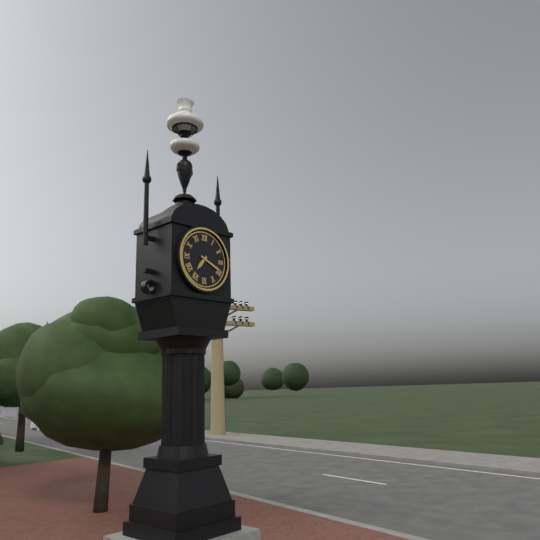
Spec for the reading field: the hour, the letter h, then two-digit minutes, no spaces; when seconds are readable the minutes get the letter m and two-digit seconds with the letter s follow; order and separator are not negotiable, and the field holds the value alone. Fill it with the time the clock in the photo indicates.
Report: 7h19
